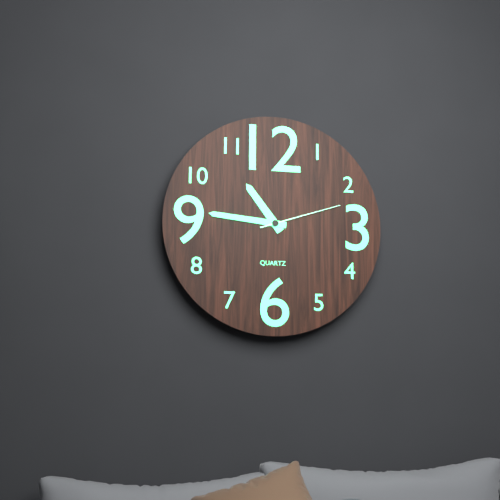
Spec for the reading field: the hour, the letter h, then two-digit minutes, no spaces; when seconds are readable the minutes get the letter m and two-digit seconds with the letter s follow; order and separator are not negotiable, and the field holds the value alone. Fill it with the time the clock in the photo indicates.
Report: 10h46m12s
